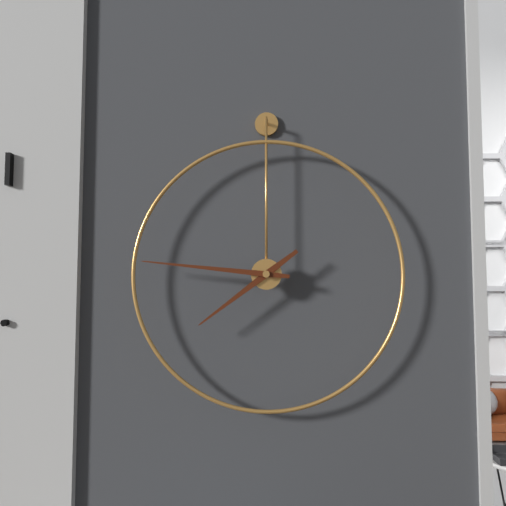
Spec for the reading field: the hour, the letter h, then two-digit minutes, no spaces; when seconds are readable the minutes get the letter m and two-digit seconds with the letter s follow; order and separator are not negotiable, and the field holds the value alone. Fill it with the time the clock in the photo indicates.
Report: 7h46
